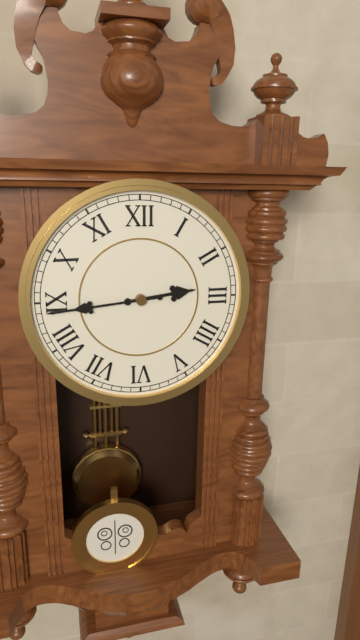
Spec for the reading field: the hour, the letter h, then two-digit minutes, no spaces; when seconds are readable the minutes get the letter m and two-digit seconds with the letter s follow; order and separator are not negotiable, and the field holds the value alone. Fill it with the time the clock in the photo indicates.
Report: 2h44
